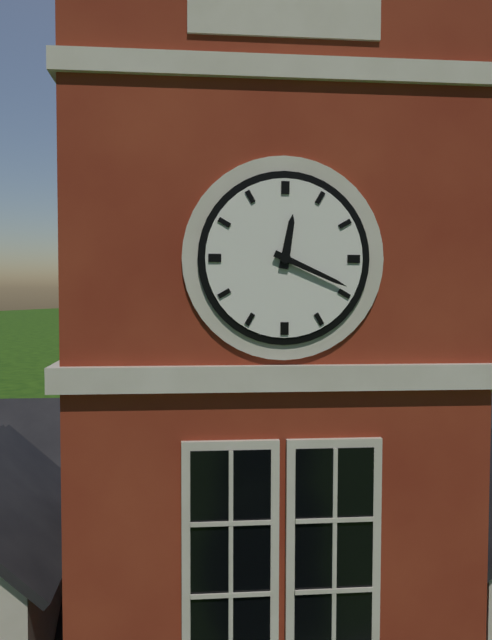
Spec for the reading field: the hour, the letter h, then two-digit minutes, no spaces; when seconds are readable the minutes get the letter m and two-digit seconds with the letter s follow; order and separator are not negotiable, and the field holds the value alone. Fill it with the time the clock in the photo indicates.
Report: 12h19
